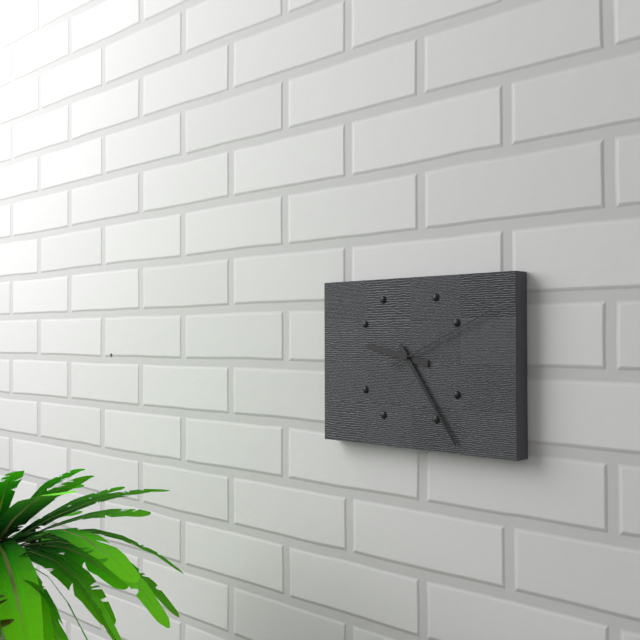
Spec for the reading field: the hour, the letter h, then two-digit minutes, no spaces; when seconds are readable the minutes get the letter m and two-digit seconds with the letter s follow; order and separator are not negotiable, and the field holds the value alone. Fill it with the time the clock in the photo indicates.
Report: 9h24m11s
